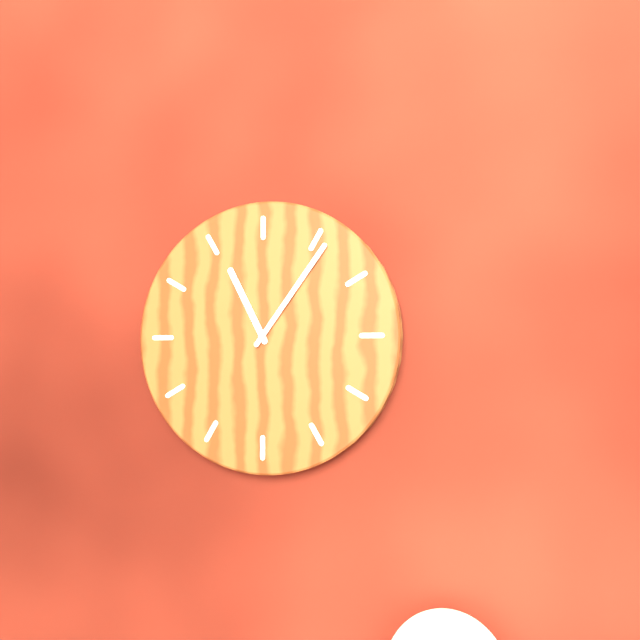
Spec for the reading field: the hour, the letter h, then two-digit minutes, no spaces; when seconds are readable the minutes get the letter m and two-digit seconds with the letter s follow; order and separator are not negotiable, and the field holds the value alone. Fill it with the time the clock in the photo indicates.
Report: 11h06
